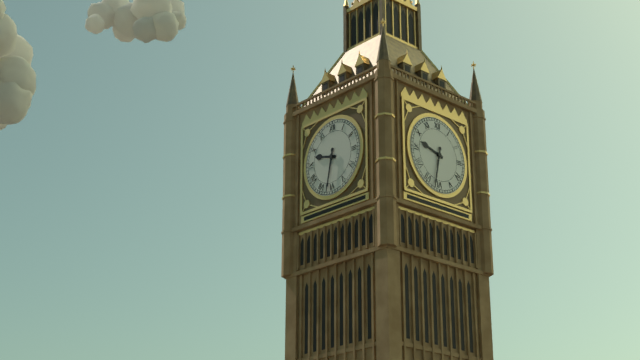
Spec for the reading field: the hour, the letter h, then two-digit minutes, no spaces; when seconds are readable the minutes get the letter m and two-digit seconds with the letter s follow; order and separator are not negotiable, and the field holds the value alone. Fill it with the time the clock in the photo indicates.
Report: 9h32
